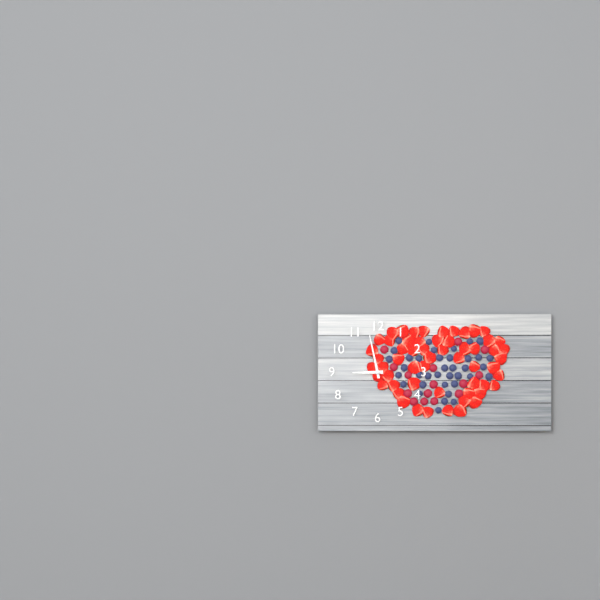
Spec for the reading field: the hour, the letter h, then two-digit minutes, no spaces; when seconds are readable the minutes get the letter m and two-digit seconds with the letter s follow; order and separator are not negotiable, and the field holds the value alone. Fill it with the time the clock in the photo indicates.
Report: 8h58
